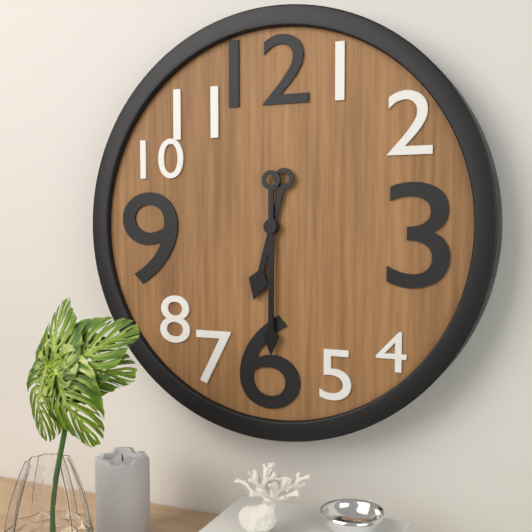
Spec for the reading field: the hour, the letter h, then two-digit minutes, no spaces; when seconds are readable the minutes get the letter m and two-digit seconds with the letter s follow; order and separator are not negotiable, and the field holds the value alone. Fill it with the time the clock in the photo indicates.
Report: 6h30
